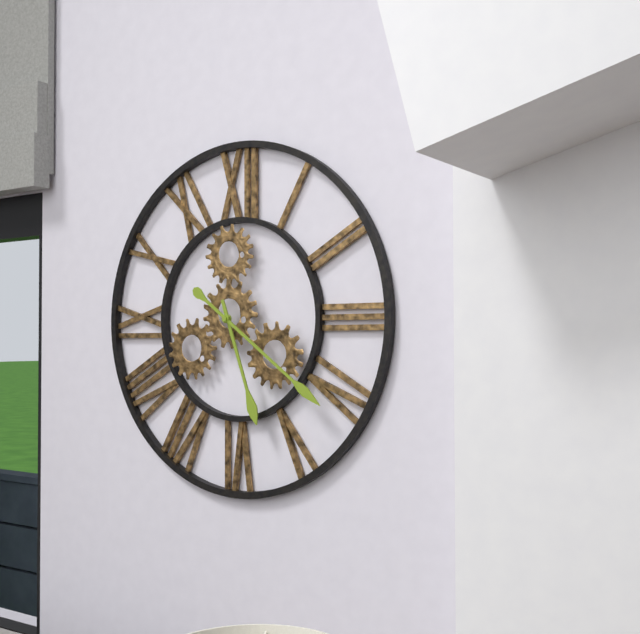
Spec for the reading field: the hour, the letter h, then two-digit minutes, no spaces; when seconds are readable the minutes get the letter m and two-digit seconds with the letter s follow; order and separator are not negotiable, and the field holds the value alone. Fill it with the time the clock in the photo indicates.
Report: 5h21
